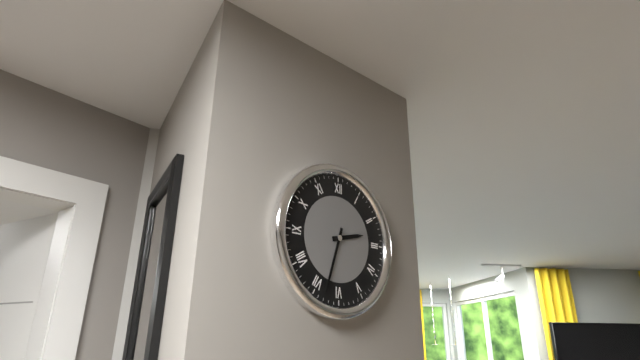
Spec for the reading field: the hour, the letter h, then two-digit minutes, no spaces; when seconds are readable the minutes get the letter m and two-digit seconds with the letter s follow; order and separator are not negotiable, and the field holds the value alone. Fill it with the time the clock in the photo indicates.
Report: 2h33
